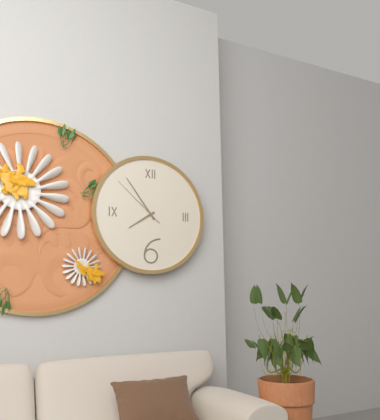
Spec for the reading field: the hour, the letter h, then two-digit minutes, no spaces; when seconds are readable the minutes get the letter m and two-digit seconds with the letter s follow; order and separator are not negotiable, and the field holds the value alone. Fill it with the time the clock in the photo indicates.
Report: 7h54m52s
